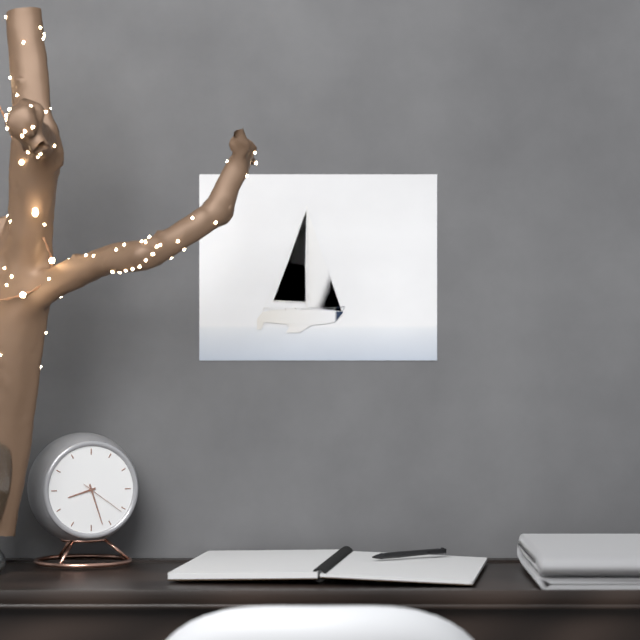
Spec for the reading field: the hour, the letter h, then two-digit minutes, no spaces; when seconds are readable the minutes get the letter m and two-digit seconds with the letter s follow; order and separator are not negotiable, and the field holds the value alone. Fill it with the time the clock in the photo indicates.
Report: 8h27
